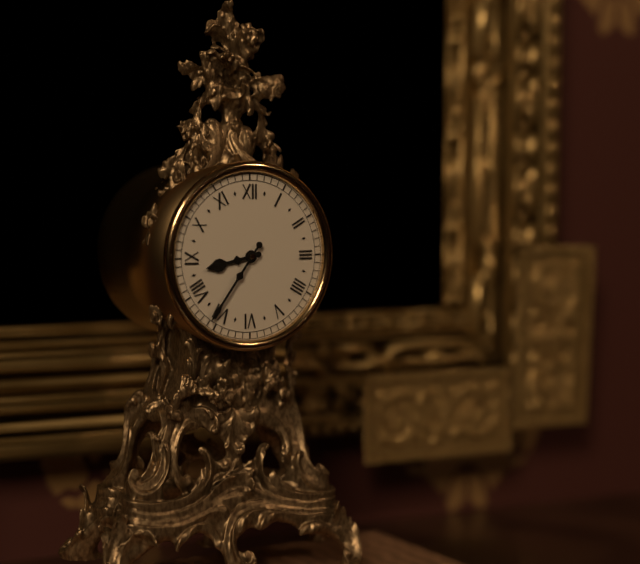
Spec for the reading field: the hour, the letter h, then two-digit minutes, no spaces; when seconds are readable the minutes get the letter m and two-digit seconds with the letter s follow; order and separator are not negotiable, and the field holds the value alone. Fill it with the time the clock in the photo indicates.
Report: 8h36
